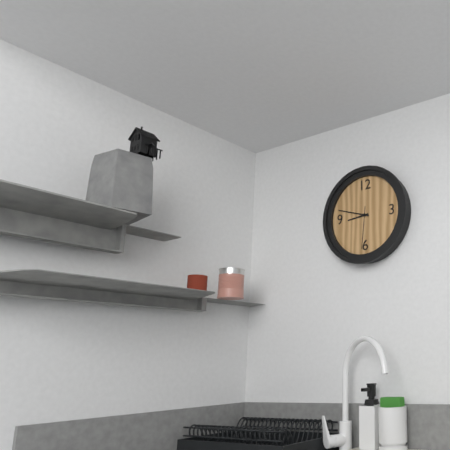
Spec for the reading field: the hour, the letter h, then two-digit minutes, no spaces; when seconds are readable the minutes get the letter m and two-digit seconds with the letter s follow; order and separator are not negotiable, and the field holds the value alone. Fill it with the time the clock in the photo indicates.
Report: 8h48
